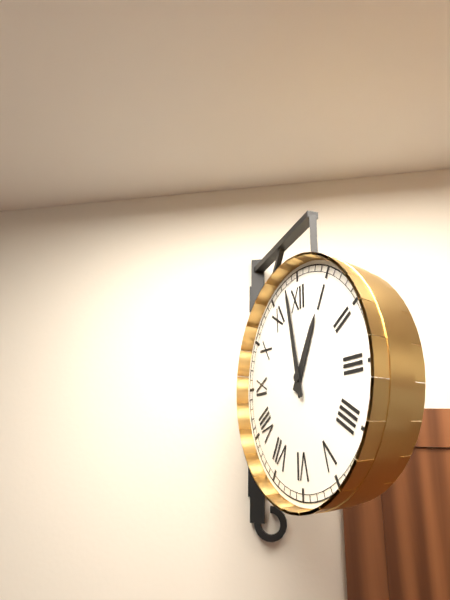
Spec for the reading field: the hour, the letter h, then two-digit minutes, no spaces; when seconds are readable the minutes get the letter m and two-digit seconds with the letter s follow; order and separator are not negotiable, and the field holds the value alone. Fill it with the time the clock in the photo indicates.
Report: 12h58
